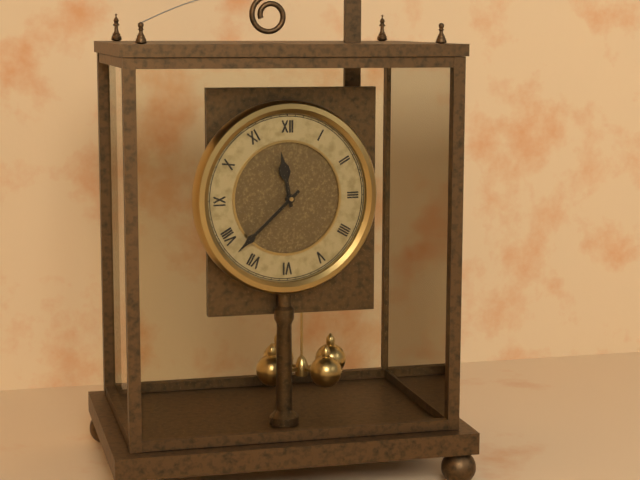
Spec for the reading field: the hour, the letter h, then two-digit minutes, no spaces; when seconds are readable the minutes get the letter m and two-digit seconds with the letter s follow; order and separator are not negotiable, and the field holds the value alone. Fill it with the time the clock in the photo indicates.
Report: 11h38
